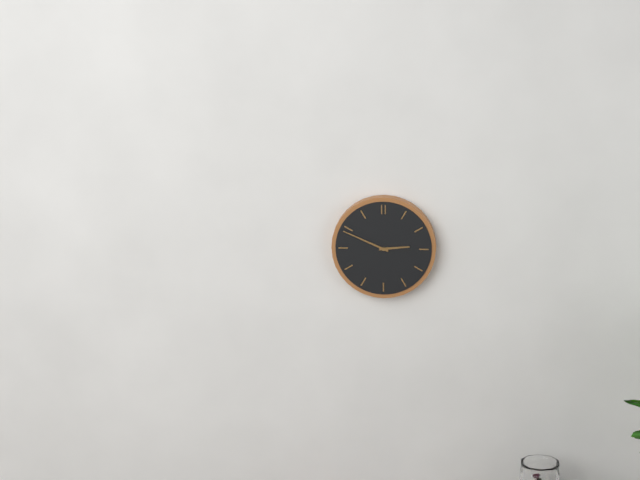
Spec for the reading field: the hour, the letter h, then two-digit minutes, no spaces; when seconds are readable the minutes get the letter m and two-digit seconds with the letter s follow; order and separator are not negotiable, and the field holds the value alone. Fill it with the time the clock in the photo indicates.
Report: 2h49
